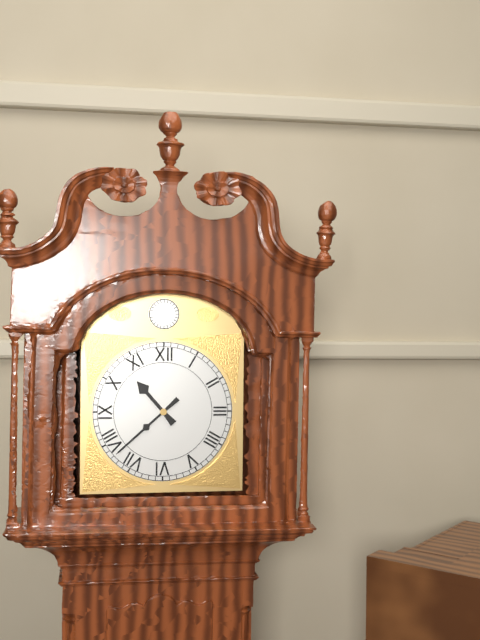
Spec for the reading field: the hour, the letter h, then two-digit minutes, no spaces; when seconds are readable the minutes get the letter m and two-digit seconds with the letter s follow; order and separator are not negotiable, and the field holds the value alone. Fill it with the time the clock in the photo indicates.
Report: 10h38
